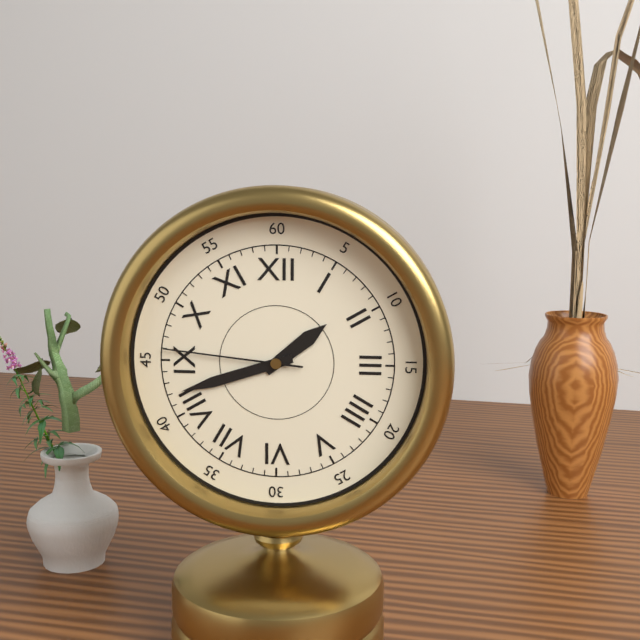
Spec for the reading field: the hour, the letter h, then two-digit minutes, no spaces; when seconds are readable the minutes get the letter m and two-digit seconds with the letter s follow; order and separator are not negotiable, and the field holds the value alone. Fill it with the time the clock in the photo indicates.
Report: 1h42m46s
